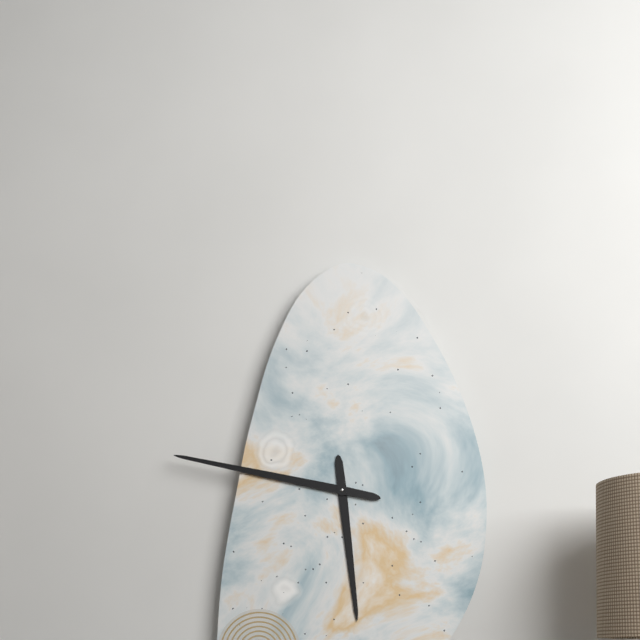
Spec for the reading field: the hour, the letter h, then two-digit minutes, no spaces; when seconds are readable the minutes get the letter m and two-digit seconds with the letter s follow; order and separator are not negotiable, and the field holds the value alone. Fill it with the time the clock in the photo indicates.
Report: 5h47
